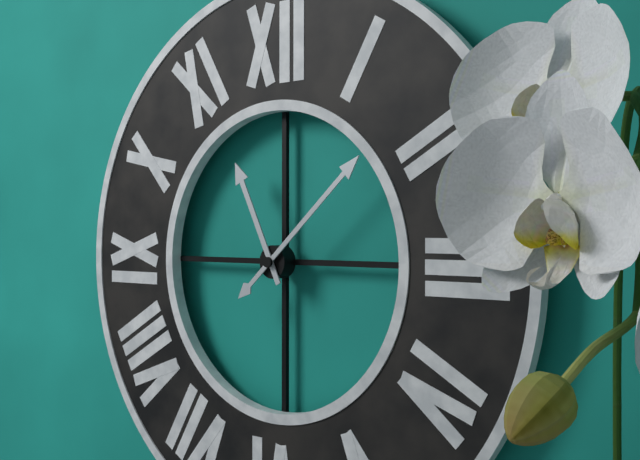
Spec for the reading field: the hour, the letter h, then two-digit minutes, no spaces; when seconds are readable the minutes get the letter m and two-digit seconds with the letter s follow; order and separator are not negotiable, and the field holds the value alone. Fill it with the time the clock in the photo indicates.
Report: 11h08
